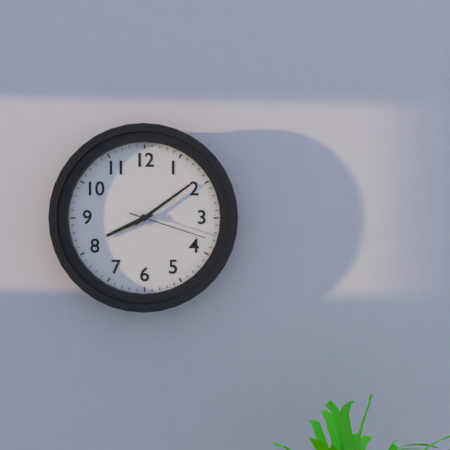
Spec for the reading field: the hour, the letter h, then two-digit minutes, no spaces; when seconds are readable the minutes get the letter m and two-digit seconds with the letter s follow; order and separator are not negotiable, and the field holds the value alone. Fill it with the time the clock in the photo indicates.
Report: 8h09m18s
